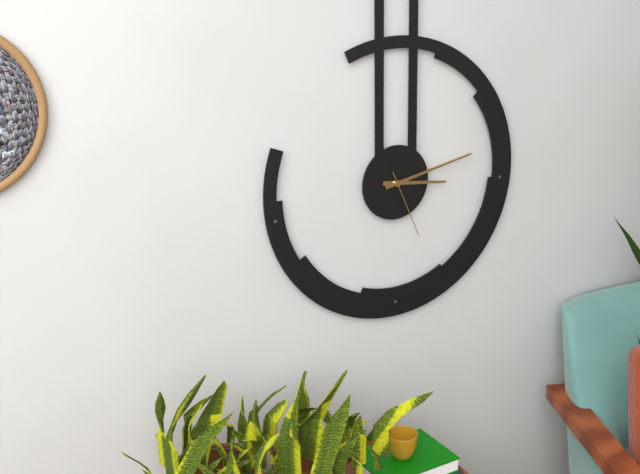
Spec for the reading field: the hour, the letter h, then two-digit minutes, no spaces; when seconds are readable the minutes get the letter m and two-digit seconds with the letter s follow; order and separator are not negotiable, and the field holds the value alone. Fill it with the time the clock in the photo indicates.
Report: 3h13m26s
